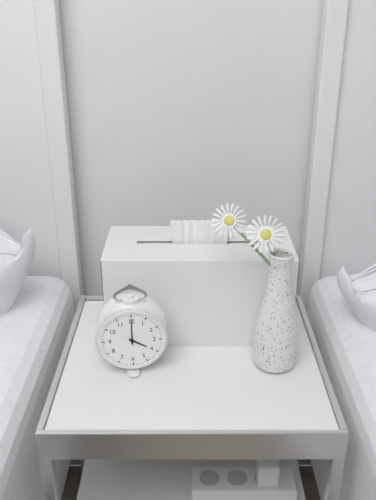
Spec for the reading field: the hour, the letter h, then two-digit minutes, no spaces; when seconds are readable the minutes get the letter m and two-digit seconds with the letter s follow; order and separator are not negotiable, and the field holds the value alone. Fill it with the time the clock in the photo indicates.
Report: 4h00
